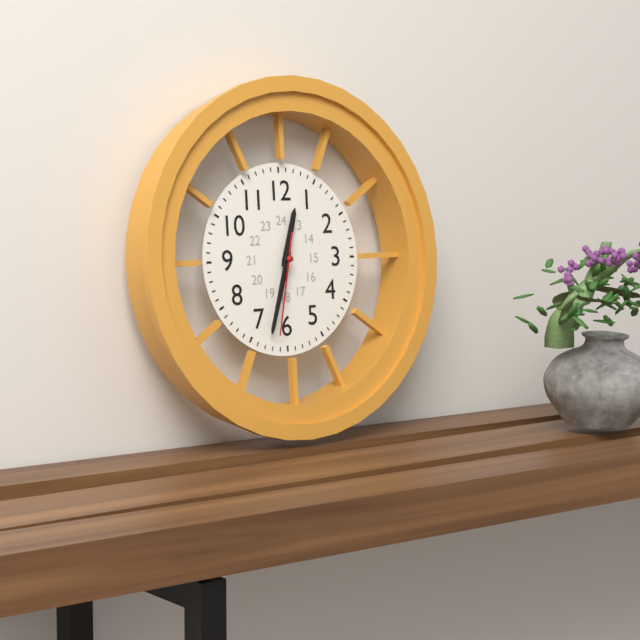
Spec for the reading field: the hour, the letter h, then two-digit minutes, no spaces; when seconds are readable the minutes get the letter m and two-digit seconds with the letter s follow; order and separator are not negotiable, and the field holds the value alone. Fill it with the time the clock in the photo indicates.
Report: 12h33m32s
